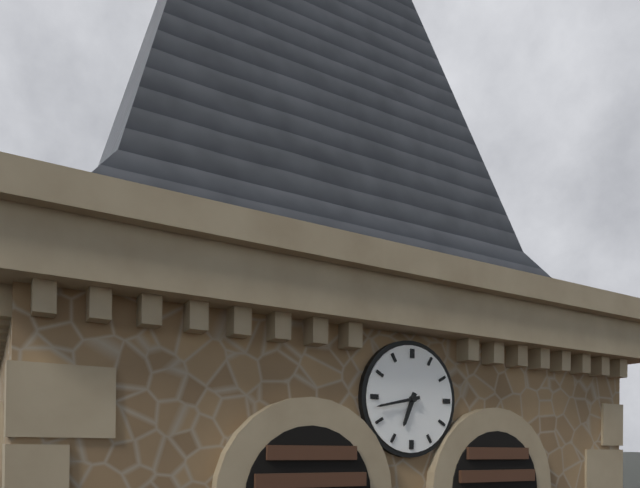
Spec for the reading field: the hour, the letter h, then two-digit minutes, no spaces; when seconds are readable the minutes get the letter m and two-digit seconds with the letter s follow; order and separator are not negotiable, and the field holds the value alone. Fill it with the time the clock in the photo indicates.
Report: 6h43
